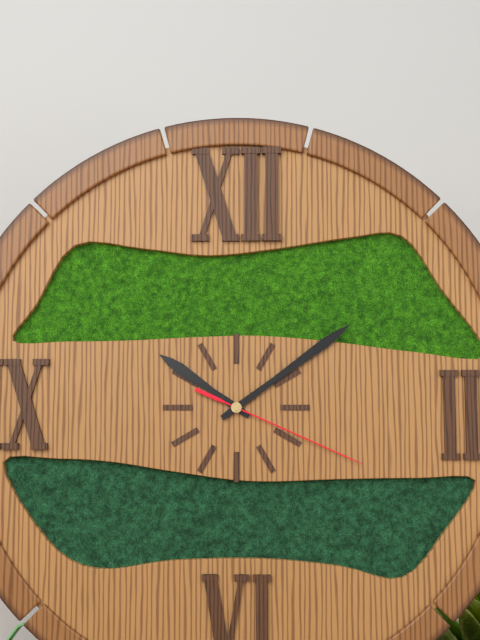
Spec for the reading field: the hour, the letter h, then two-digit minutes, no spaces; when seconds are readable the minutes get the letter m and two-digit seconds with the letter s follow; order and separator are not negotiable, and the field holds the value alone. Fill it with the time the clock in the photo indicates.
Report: 10h09m19s
